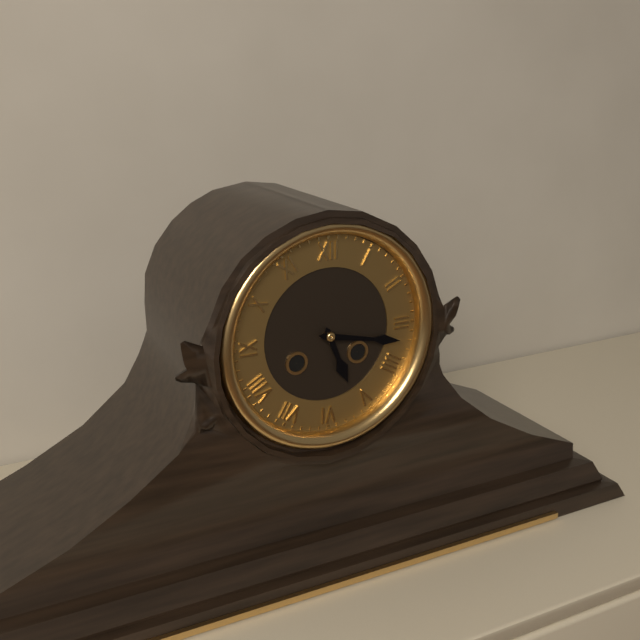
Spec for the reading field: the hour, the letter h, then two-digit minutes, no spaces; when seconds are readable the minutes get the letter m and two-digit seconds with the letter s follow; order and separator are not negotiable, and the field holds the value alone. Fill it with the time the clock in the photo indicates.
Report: 5h17
